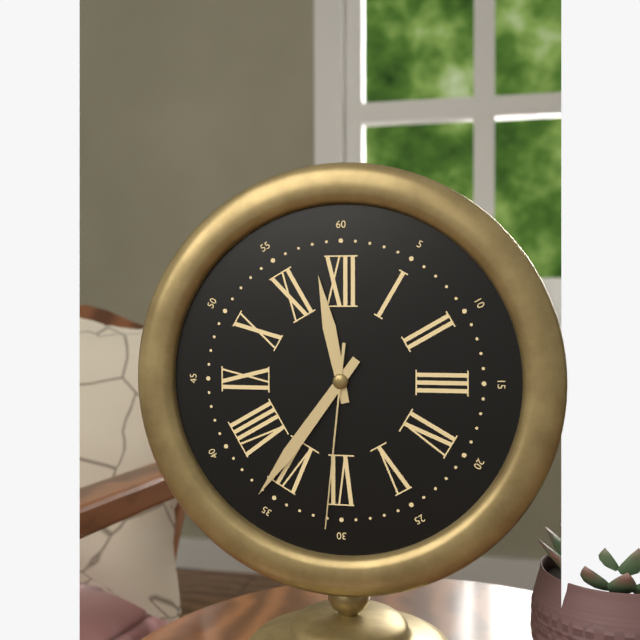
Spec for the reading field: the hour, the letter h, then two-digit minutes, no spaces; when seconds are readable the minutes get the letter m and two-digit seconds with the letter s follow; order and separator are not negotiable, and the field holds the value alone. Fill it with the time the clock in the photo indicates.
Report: 11h36m31s
